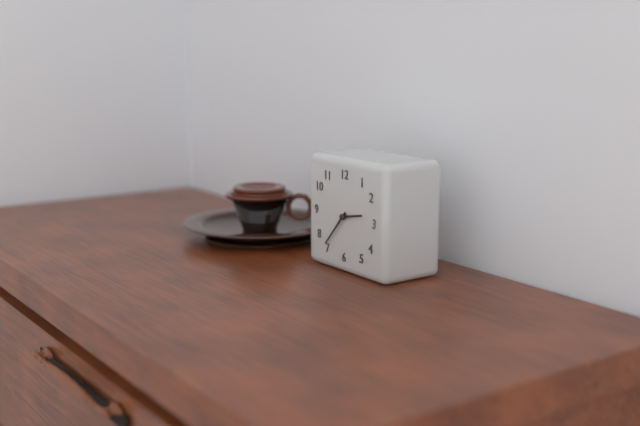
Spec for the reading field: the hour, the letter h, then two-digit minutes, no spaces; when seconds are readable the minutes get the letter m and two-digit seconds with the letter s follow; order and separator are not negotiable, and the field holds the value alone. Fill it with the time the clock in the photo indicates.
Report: 2h37
